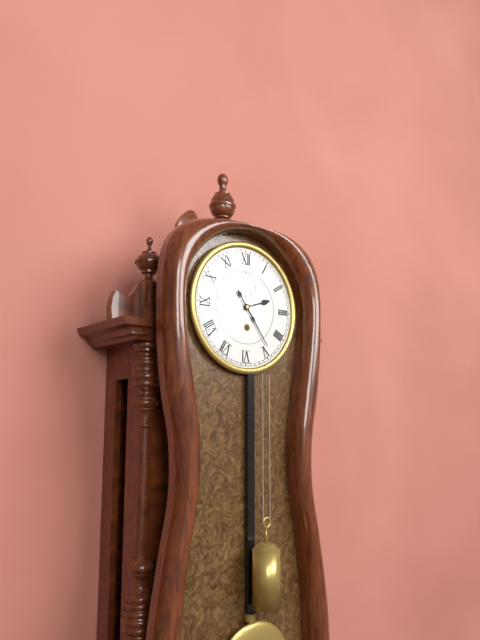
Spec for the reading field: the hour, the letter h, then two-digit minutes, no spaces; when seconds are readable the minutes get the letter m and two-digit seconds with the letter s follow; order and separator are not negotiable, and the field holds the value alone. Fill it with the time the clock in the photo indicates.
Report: 2h24
